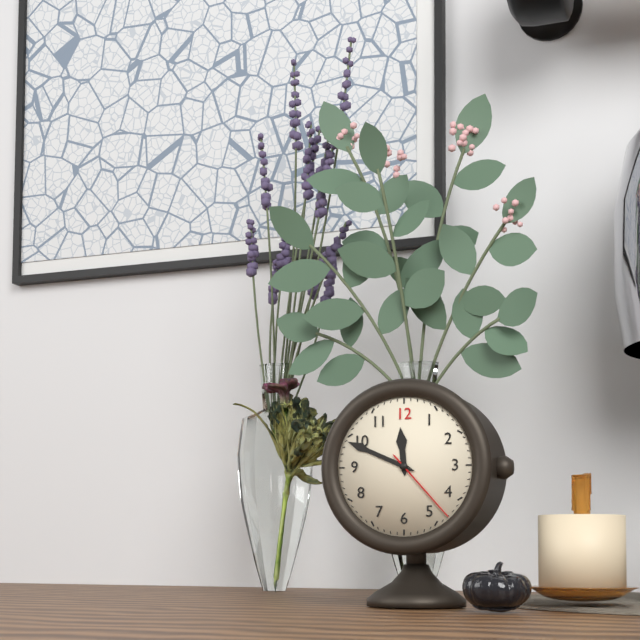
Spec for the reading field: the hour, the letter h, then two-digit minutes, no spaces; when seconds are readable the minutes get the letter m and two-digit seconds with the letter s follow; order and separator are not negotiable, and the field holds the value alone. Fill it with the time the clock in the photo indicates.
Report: 11h49m23s
